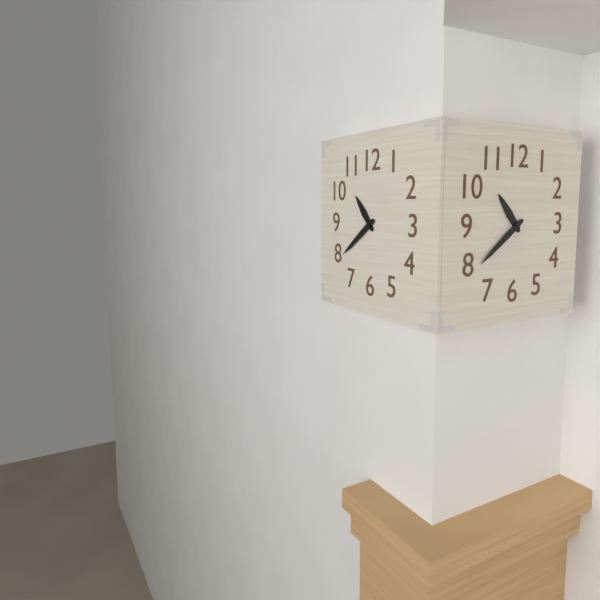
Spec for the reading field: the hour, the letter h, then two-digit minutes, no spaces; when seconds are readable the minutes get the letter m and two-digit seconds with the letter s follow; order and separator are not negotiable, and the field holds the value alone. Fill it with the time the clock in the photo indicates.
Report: 10h39
